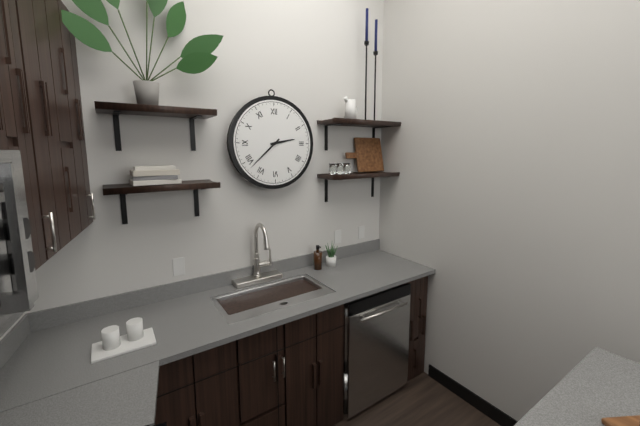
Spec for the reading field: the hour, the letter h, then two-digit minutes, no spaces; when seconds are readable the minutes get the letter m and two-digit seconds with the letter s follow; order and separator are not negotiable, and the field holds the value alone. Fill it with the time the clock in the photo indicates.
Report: 2h38
